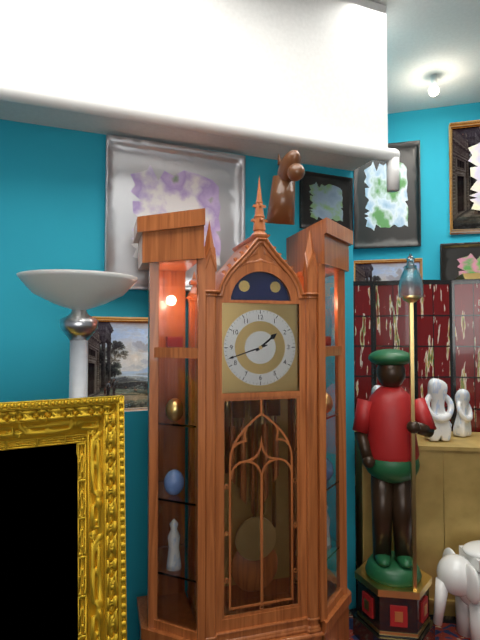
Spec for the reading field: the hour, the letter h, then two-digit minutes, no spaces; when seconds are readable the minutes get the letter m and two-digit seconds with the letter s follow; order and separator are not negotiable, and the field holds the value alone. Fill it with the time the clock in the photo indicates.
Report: 1h42
